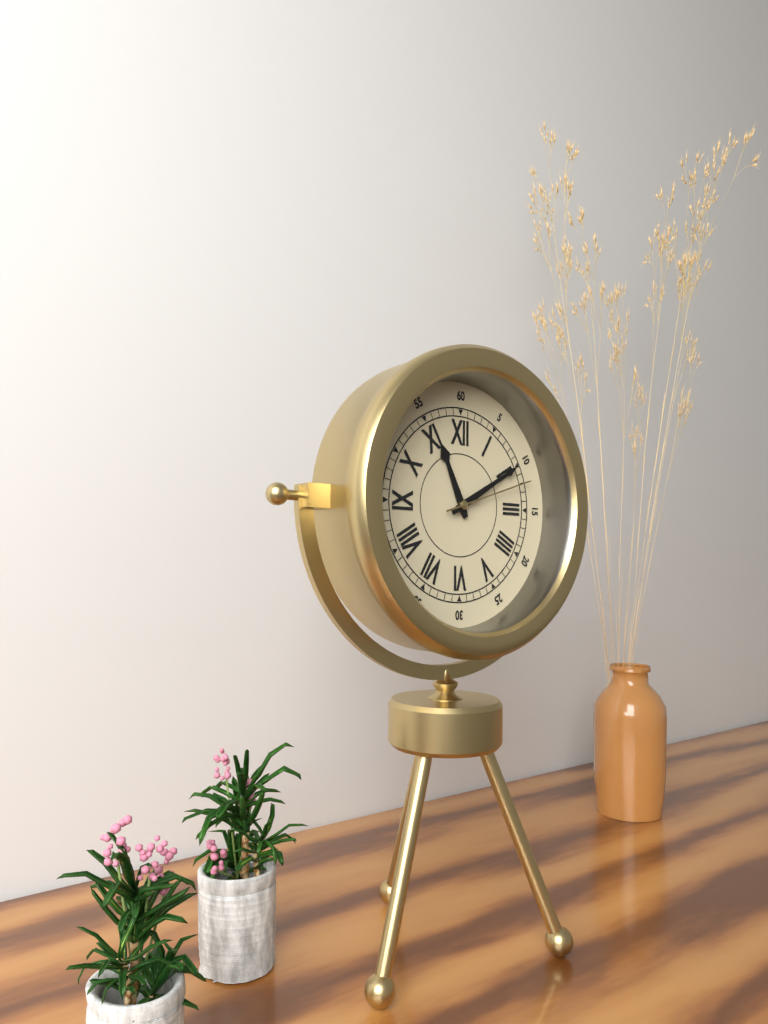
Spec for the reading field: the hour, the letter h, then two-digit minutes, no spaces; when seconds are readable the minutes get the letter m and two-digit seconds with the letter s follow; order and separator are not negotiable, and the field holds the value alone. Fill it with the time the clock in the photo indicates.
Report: 11h10m12s
